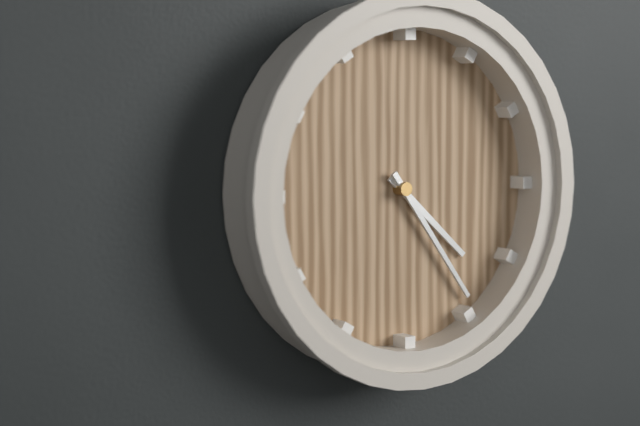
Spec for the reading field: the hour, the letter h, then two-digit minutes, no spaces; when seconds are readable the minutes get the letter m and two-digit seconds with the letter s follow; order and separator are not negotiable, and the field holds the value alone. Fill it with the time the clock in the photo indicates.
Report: 4h24
